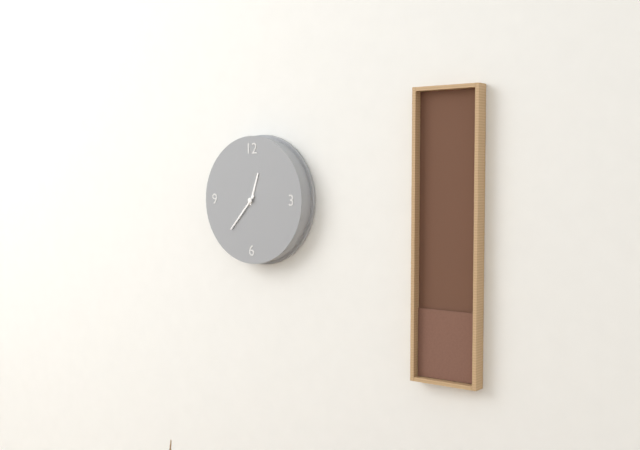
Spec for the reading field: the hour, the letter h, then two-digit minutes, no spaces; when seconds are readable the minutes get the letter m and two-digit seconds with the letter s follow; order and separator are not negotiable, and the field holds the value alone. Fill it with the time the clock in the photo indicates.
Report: 12h37
